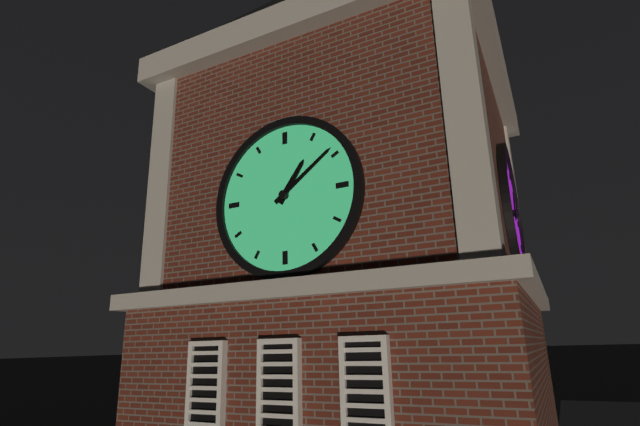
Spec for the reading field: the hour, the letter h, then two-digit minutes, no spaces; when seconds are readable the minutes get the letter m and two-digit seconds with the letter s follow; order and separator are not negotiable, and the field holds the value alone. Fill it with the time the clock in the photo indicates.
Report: 1h09
